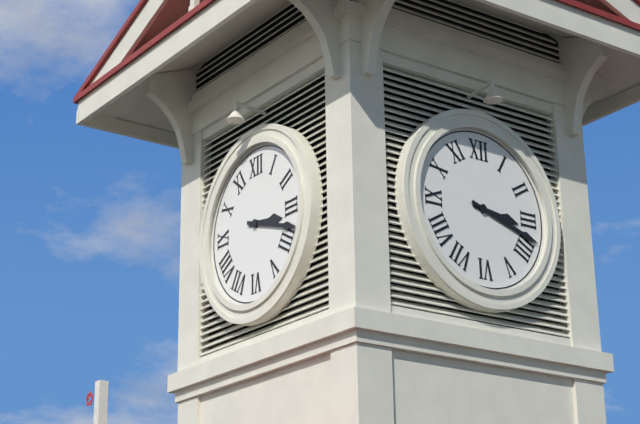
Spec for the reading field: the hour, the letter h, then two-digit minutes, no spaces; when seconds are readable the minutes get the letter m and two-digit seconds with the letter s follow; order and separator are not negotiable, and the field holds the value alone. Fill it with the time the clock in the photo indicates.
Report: 3h18
